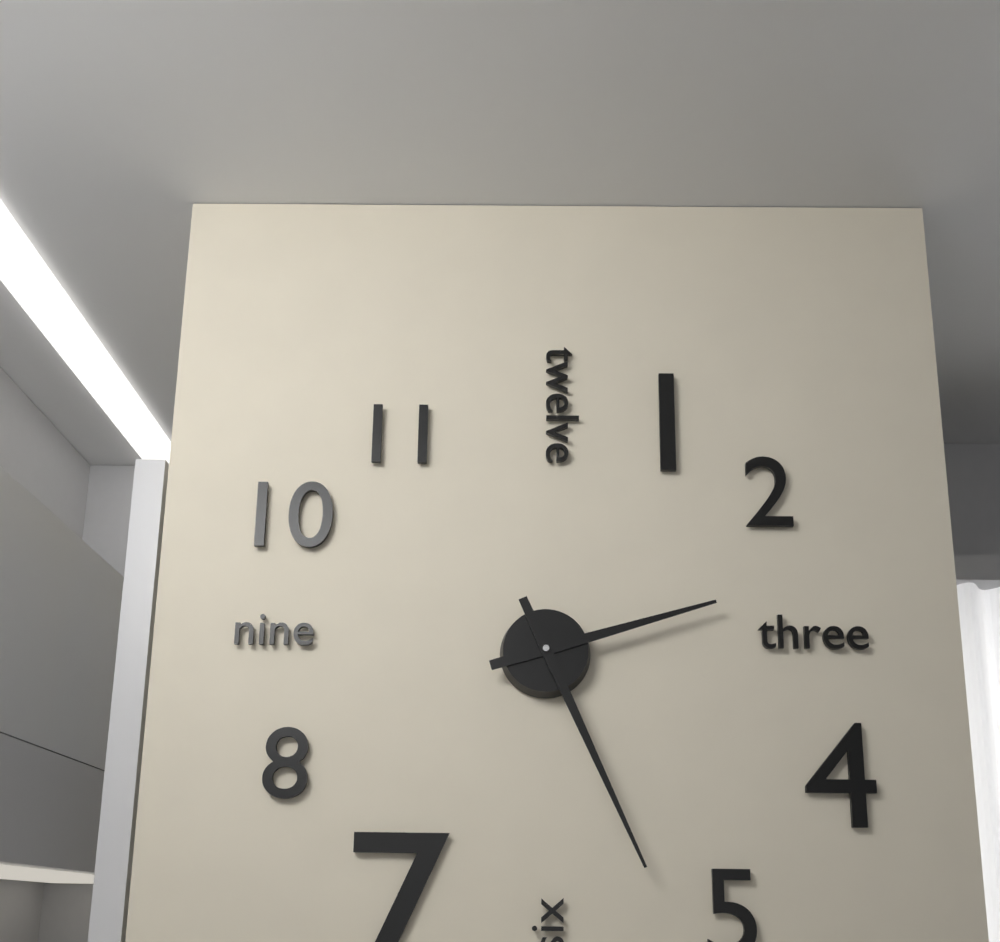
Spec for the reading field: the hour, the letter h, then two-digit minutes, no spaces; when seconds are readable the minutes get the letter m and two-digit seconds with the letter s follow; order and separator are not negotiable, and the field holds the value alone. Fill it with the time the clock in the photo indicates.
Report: 2h26
